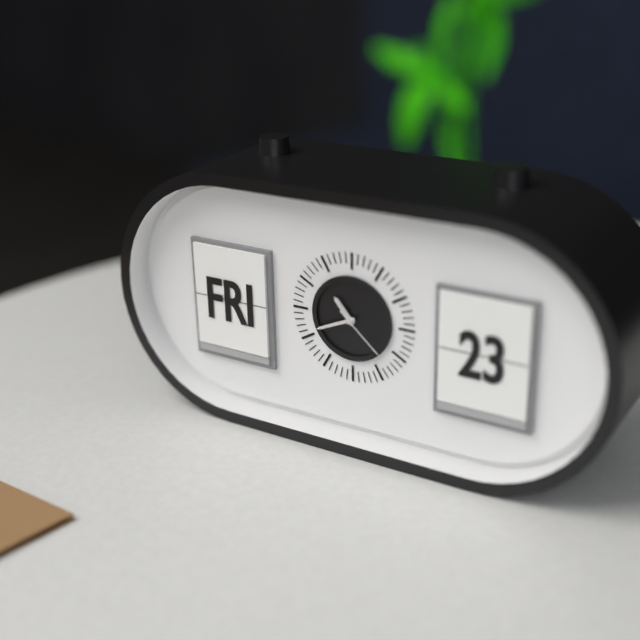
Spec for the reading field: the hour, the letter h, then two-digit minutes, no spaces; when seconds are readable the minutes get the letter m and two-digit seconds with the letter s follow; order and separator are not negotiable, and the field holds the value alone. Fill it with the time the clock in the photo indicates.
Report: 10h41m22s
